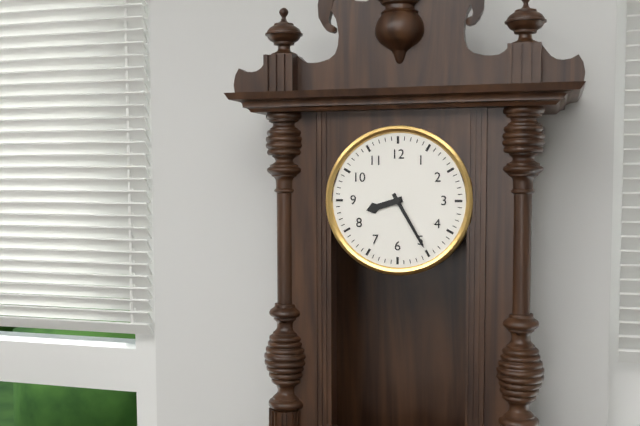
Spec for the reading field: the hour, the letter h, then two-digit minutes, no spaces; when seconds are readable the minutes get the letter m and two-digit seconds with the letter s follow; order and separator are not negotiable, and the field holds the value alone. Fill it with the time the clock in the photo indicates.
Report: 8h25
